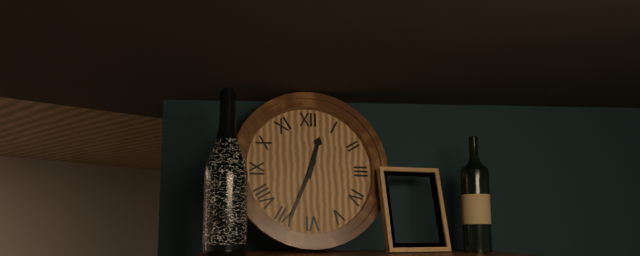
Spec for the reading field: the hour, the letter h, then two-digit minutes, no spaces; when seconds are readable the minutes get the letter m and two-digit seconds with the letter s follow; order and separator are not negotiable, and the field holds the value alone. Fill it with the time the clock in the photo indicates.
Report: 12h34
